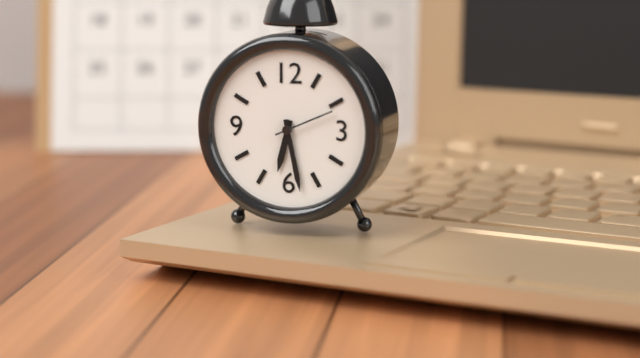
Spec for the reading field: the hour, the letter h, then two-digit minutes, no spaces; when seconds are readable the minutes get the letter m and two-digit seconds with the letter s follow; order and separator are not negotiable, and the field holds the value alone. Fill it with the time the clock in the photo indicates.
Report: 6h28
